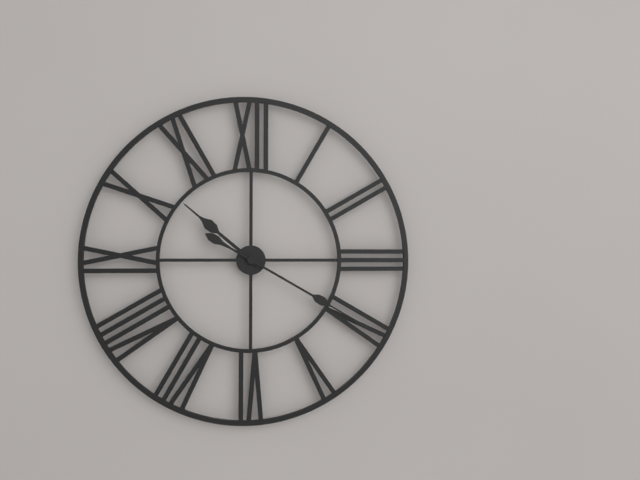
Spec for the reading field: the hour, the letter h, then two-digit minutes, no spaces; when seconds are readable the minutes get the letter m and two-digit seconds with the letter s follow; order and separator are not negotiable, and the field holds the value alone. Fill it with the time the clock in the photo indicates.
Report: 10h20
